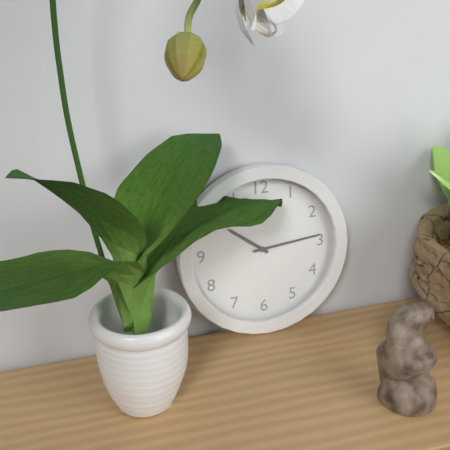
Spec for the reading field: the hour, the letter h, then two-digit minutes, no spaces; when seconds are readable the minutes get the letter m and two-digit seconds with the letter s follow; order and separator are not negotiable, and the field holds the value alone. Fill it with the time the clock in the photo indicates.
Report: 10h14
